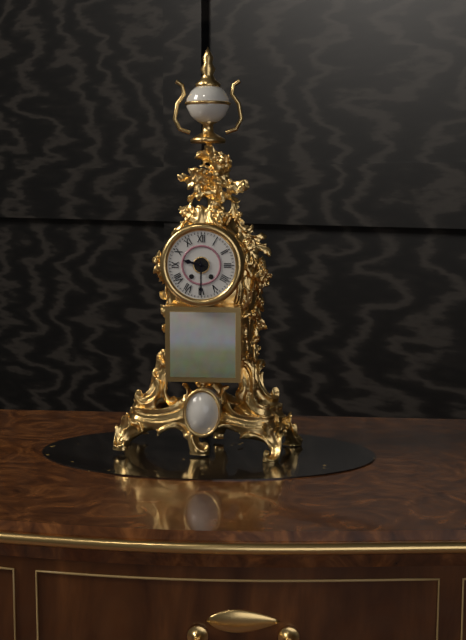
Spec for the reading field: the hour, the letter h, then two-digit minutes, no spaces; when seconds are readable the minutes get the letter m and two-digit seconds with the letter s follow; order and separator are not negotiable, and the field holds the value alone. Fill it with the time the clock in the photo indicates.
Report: 9h30
